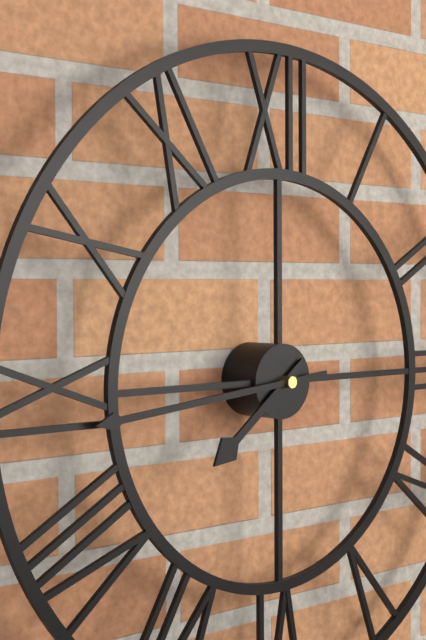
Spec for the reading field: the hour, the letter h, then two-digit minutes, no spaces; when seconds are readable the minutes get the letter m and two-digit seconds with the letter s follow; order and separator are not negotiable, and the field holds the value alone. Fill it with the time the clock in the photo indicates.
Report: 7h44
